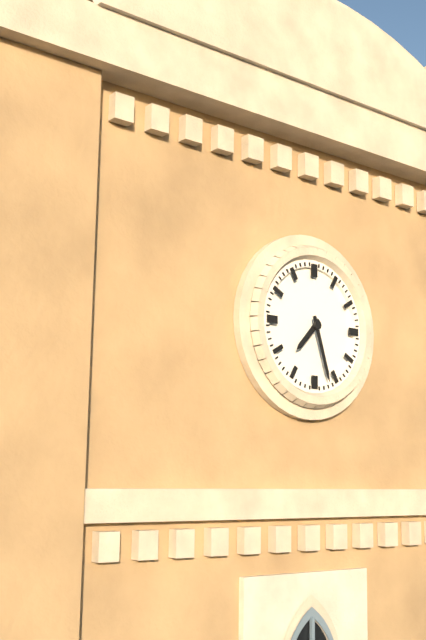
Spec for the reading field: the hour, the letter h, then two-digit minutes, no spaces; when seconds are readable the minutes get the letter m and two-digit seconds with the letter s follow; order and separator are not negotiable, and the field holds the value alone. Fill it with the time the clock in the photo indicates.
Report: 7h27
